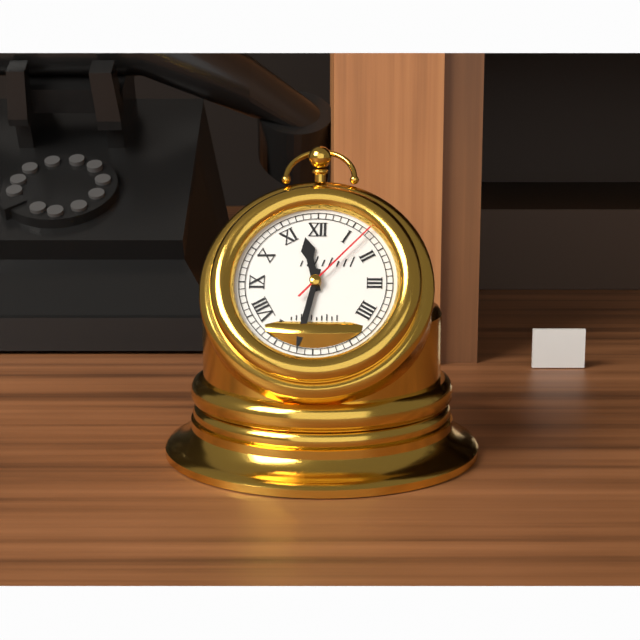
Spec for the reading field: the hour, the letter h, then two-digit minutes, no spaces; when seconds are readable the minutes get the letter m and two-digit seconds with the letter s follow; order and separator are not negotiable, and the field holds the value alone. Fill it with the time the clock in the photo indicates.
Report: 11h32m07s
